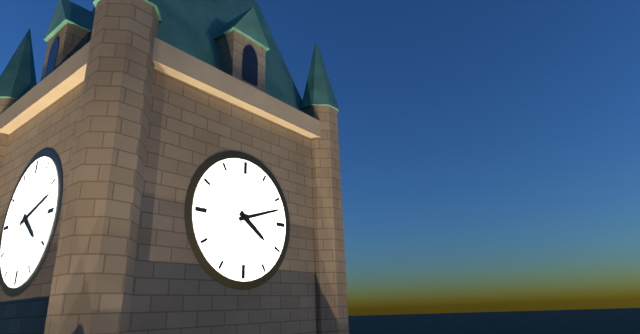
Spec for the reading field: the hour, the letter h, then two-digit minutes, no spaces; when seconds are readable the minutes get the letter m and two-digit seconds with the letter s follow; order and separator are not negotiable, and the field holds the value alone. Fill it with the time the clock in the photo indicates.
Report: 4h12
